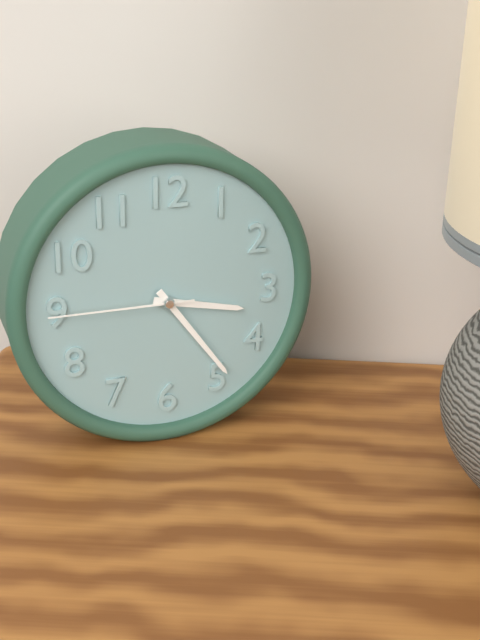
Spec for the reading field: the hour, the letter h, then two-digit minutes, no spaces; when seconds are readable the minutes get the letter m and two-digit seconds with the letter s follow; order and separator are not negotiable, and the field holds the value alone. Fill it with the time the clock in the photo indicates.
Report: 3h24m45s
